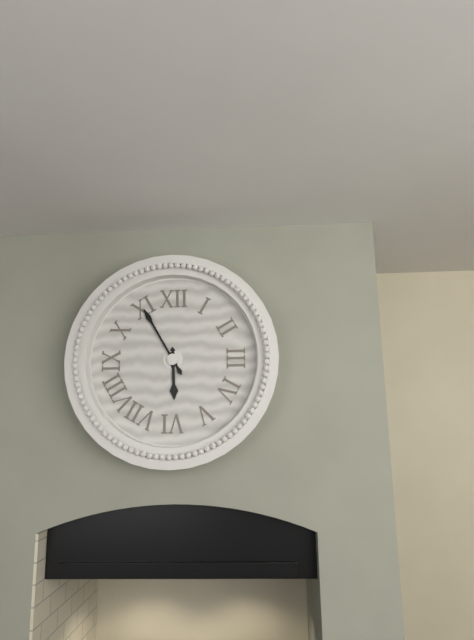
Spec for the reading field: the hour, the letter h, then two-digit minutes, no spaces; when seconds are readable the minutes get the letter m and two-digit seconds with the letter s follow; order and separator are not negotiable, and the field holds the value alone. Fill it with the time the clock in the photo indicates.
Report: 5h55
